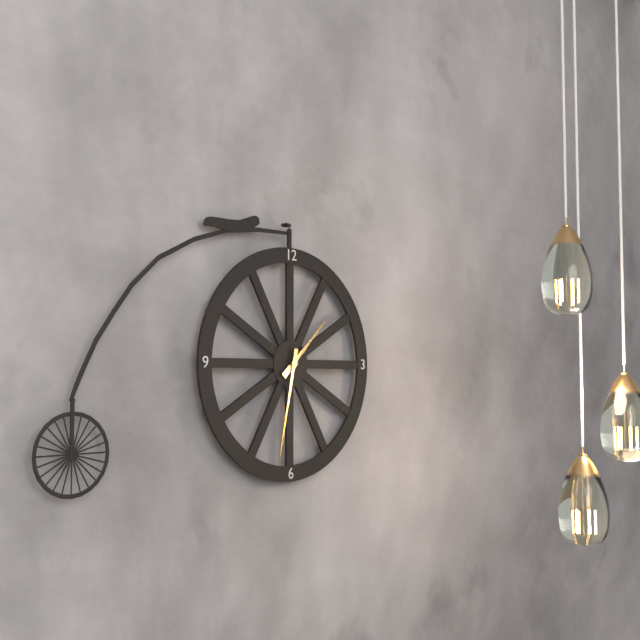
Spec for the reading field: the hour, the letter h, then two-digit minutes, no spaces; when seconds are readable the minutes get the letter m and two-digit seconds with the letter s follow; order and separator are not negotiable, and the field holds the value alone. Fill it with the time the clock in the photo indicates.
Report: 1h32
